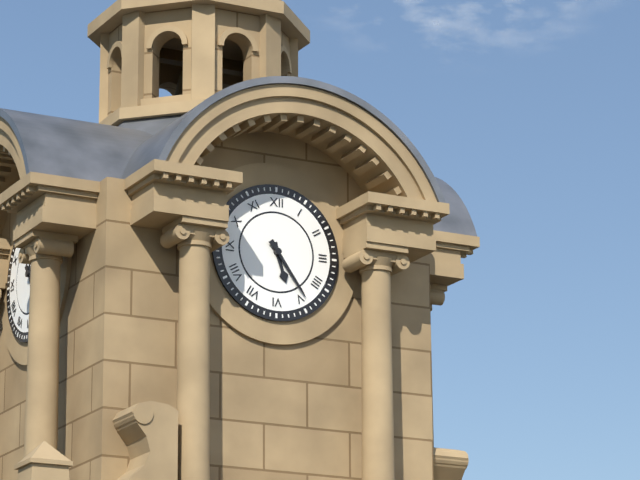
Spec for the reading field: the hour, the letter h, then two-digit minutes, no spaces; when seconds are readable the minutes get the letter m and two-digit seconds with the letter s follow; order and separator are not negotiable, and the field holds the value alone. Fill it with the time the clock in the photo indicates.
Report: 5h24
